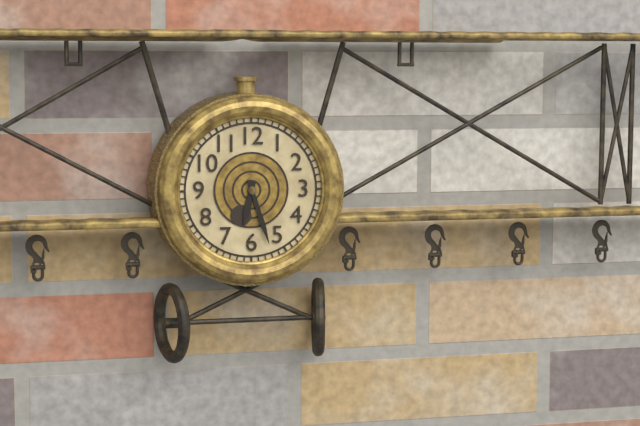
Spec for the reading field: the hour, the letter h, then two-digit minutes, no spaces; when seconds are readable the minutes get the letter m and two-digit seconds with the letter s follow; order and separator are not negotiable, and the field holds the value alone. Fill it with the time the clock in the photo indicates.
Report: 6h27
